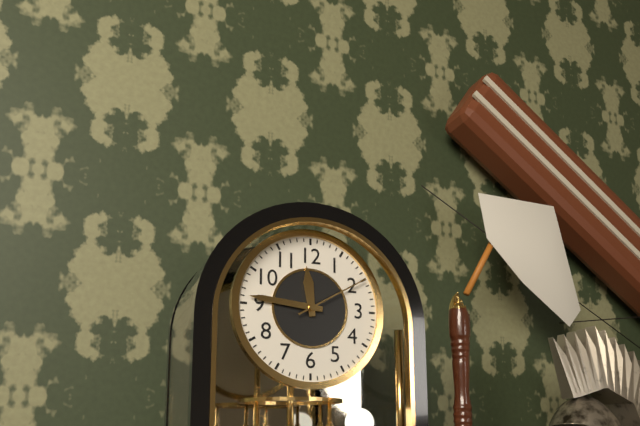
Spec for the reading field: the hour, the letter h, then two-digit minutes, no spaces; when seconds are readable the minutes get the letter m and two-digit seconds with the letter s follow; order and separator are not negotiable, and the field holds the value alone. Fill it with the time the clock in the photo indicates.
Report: 11h46m10s
